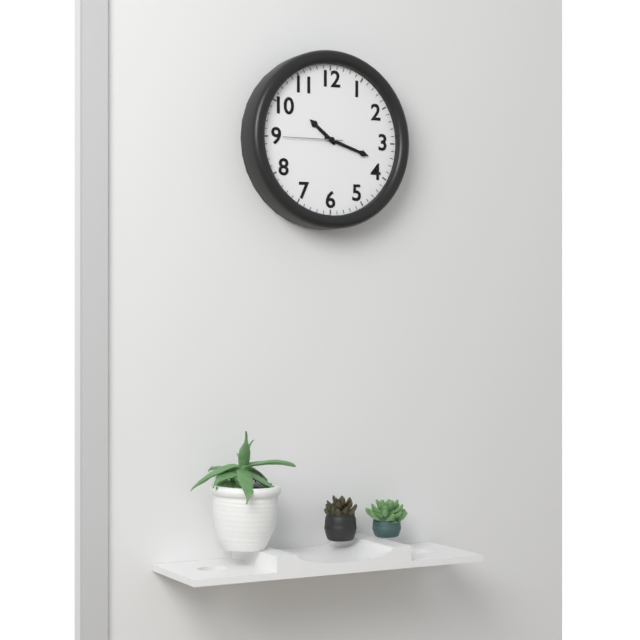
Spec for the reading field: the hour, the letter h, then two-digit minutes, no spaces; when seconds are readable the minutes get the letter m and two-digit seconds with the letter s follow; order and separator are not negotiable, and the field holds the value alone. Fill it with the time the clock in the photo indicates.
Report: 10h18m45s
